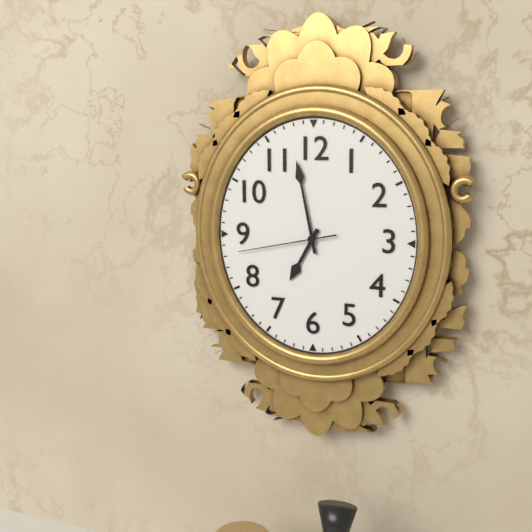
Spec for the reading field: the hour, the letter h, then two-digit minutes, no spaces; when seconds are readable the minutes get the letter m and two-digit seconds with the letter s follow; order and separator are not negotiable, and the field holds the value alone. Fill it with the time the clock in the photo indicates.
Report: 6h58m43s
